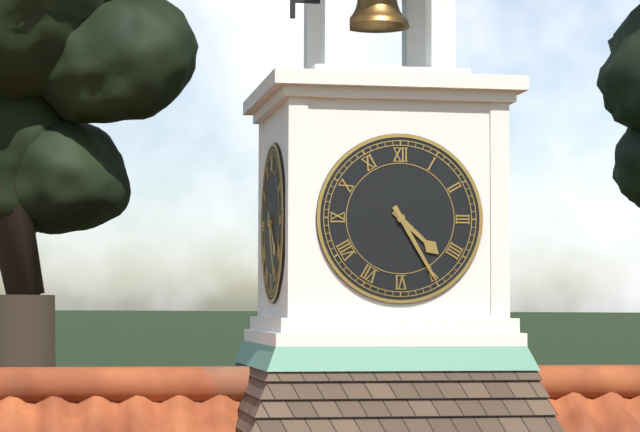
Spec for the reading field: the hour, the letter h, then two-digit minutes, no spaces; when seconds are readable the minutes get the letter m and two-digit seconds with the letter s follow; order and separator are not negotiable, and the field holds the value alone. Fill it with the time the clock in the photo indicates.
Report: 4h25
